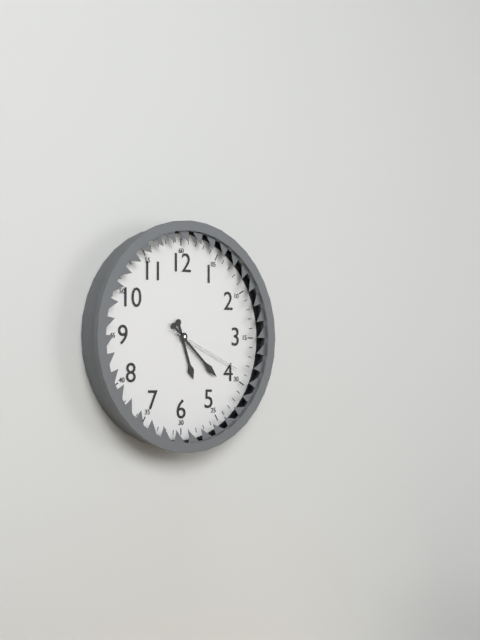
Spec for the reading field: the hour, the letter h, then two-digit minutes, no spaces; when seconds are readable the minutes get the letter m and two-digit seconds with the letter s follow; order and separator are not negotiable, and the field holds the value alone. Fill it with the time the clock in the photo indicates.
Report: 5h22m19s
